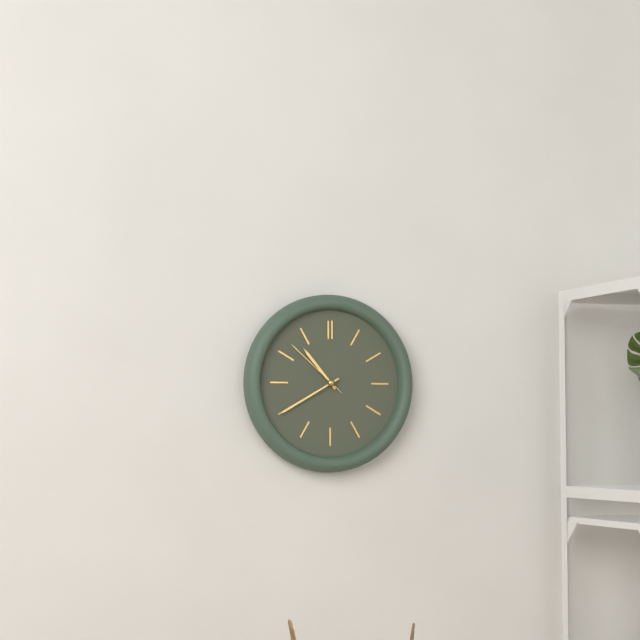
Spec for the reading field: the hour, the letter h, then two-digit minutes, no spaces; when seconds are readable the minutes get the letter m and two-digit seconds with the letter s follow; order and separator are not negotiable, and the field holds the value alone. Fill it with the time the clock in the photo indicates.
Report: 10h40m52s
